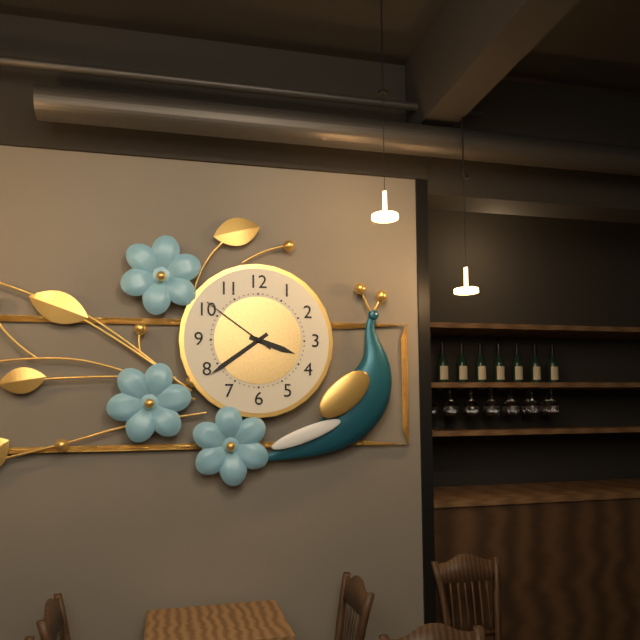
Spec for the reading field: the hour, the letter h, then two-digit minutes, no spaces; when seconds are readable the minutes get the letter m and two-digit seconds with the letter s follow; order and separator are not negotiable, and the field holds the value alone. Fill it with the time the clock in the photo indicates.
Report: 3h39m51s
